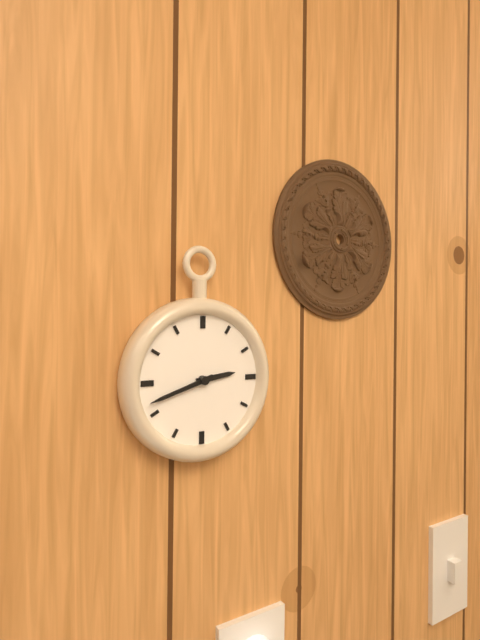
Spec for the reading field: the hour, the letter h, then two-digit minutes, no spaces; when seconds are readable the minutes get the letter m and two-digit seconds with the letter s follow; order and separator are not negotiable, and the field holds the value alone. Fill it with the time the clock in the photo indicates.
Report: 2h42
